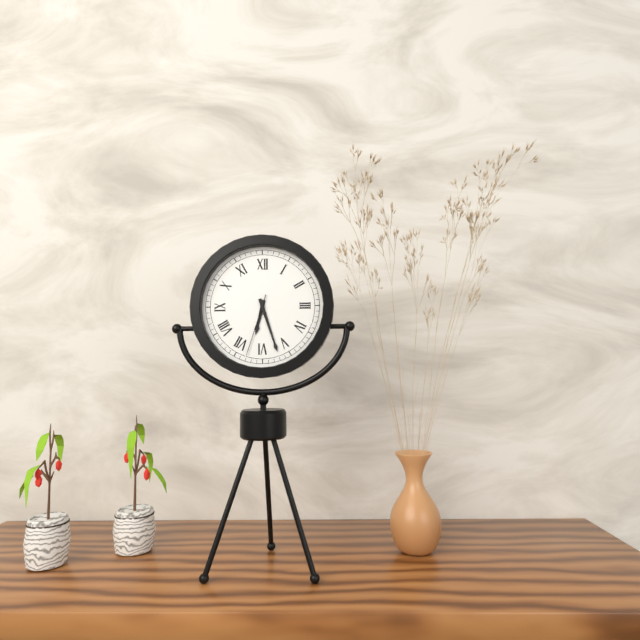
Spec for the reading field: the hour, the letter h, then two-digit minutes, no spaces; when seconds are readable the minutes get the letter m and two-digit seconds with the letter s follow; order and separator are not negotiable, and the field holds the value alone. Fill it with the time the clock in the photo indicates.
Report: 6h27m33s
